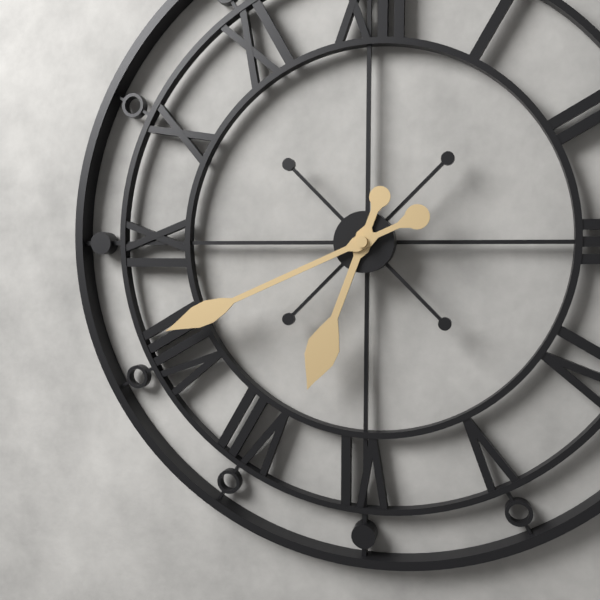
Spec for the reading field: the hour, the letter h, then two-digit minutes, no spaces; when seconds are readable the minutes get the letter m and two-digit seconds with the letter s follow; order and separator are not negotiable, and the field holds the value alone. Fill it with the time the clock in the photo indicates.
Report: 6h41
